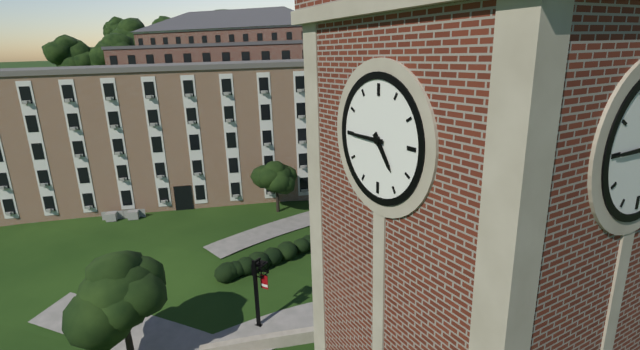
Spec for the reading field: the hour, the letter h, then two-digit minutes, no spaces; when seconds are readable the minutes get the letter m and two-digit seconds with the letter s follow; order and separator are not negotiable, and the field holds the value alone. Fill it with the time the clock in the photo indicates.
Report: 4h45
